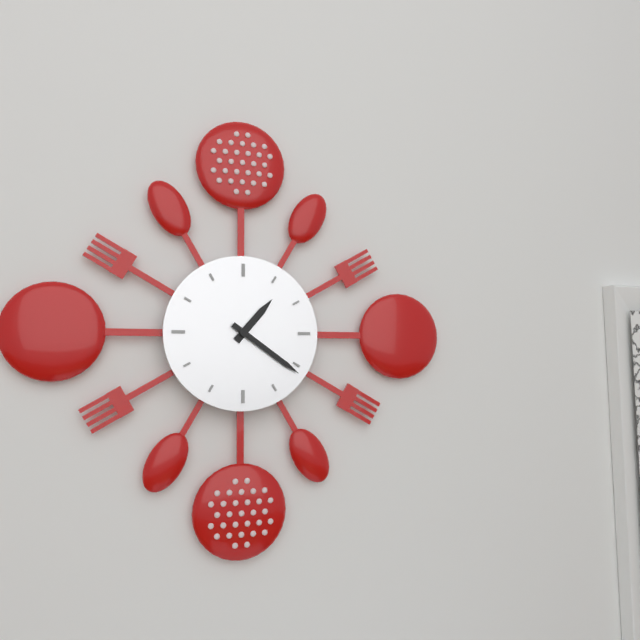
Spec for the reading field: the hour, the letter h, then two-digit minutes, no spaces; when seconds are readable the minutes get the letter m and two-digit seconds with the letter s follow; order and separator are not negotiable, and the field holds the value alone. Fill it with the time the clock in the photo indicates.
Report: 1h21
